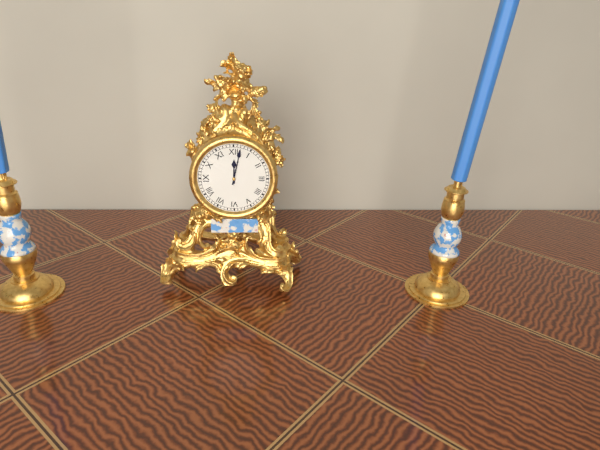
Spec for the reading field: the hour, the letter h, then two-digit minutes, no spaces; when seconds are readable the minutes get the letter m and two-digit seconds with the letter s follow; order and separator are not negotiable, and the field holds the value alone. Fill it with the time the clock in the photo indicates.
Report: 12h02
